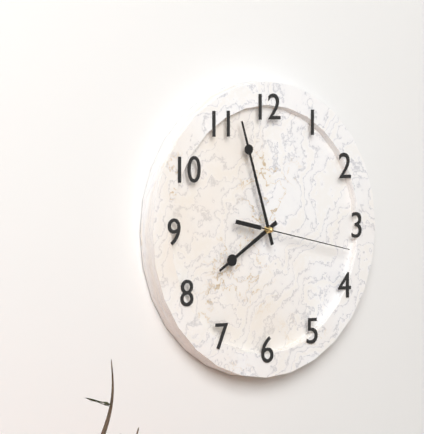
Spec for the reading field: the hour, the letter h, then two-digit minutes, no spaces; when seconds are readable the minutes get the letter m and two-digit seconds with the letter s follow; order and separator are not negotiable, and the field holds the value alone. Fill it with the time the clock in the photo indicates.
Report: 7h57m17s
